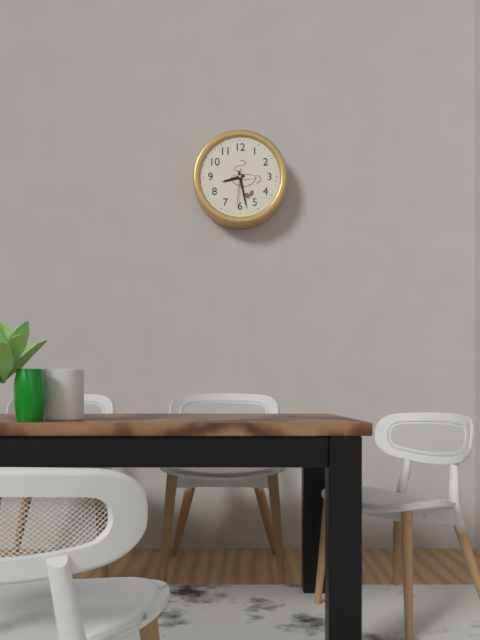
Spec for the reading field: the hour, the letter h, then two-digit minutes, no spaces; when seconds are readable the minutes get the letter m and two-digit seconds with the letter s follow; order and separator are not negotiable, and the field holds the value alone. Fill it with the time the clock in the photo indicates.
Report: 8h28
